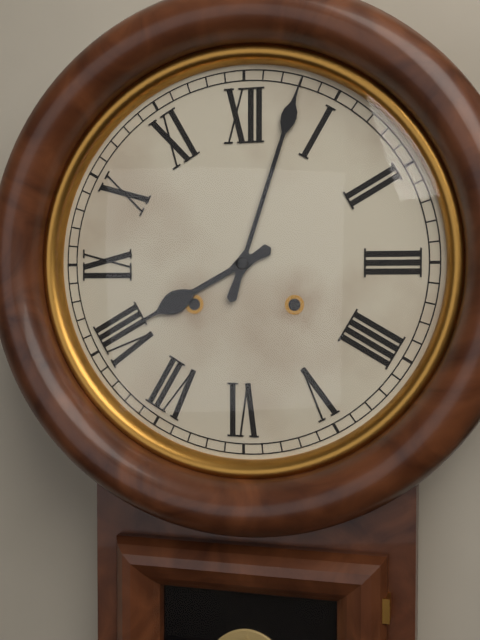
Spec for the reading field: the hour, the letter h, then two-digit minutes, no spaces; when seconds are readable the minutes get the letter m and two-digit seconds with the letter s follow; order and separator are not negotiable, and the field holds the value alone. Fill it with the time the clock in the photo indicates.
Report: 8h03
